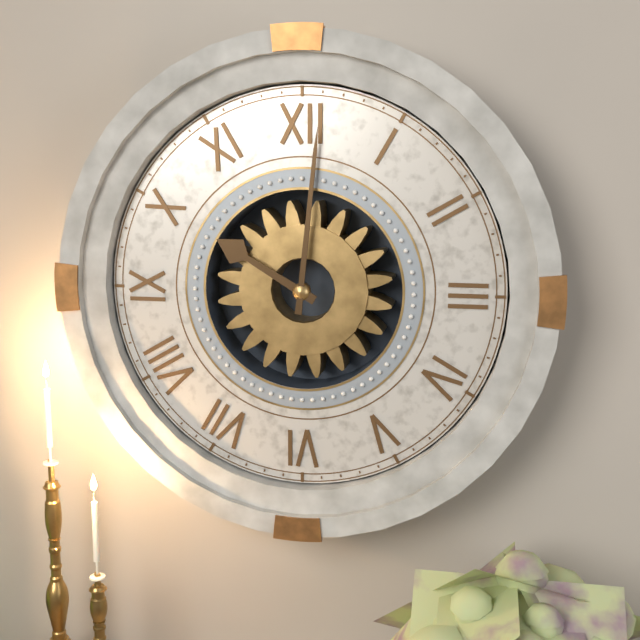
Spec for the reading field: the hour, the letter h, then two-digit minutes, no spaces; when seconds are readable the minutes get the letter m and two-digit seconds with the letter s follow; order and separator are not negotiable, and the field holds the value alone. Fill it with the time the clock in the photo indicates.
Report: 10h01
